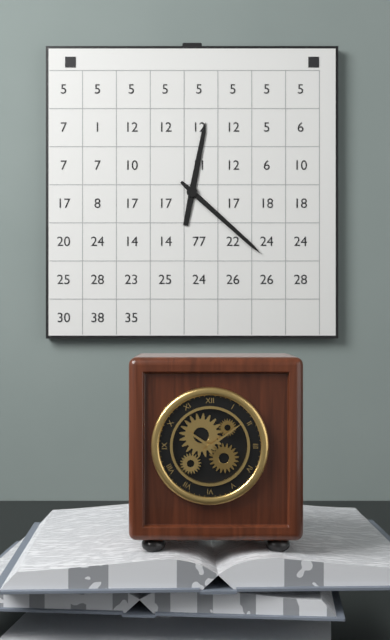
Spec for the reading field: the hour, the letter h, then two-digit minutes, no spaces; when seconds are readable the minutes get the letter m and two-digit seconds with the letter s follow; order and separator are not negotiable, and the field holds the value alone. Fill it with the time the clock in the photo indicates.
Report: 12h22
